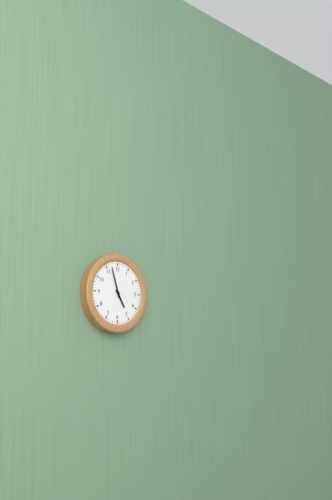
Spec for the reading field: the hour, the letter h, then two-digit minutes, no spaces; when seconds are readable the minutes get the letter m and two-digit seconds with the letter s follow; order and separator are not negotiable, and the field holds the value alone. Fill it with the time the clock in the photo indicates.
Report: 4h57
